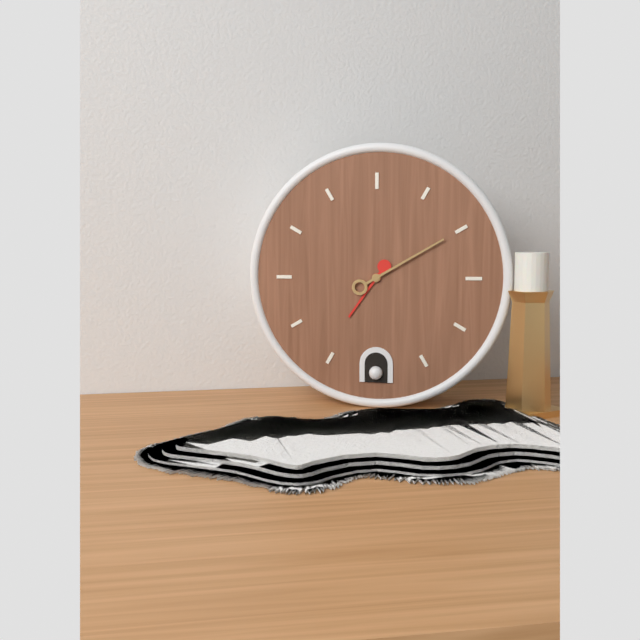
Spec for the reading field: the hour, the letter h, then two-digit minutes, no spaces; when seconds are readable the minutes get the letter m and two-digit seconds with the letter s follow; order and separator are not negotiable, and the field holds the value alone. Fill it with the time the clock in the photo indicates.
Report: 7h10
